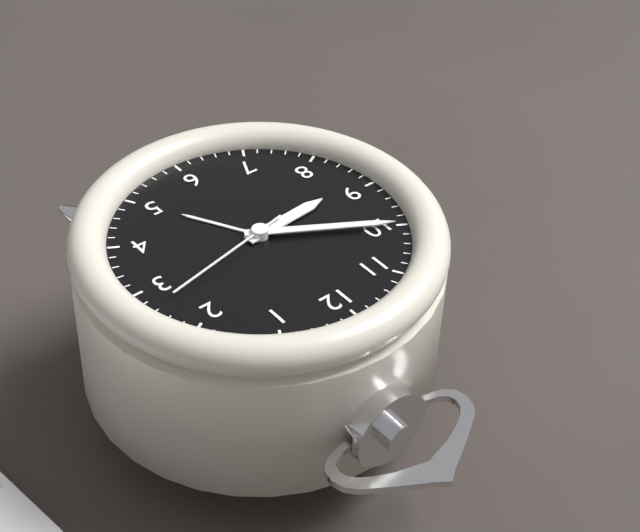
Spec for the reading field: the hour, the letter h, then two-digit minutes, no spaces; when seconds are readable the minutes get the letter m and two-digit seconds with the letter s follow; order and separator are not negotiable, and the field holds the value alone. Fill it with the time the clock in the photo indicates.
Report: 8h50m13s
